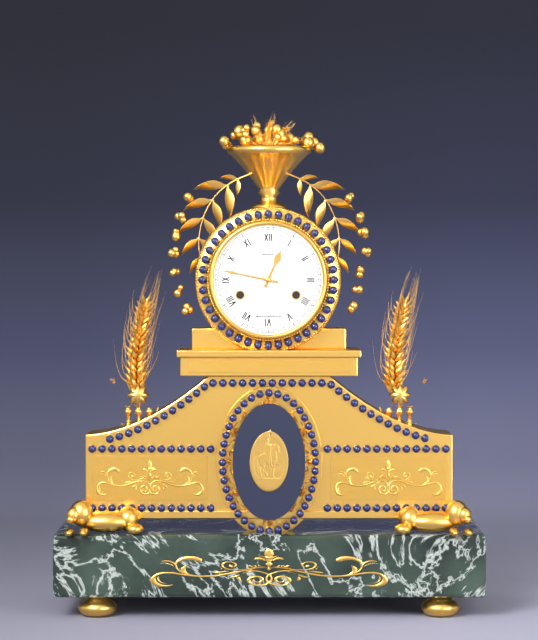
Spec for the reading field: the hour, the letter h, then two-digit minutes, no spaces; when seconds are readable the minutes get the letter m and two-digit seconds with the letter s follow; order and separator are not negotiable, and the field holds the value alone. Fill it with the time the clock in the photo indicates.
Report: 12h47
